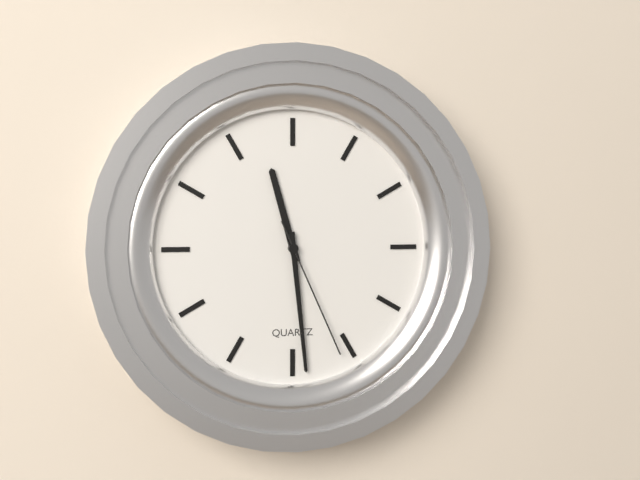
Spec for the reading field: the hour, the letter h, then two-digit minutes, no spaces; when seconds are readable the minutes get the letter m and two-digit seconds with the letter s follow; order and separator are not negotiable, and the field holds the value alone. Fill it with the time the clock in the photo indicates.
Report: 11h29m26s
